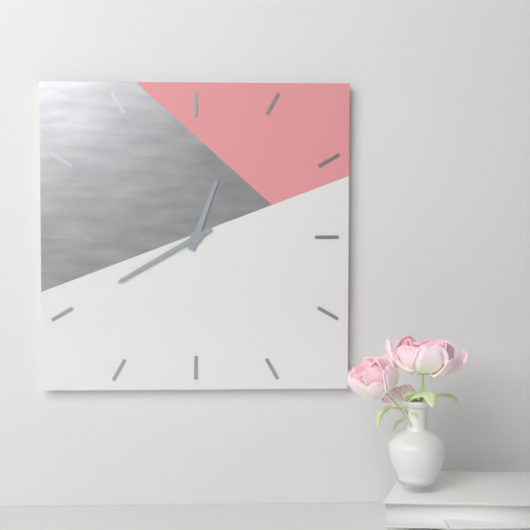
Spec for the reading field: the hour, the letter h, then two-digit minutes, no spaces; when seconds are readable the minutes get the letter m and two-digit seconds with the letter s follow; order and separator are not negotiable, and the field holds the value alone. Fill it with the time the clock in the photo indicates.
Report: 12h40
